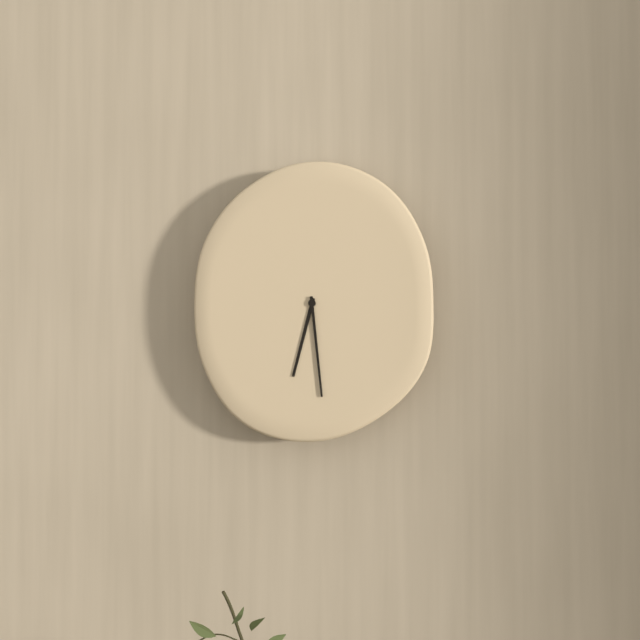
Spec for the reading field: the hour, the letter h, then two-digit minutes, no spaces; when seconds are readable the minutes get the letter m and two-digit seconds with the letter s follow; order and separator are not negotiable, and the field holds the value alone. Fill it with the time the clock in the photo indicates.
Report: 6h29
